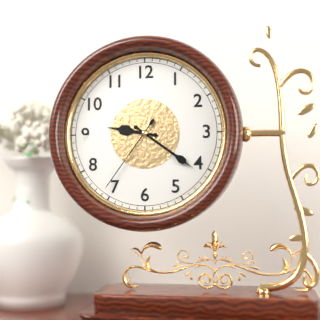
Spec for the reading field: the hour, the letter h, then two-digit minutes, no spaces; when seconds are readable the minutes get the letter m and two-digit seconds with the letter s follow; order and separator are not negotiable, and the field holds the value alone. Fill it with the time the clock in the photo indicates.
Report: 9h21m36s
